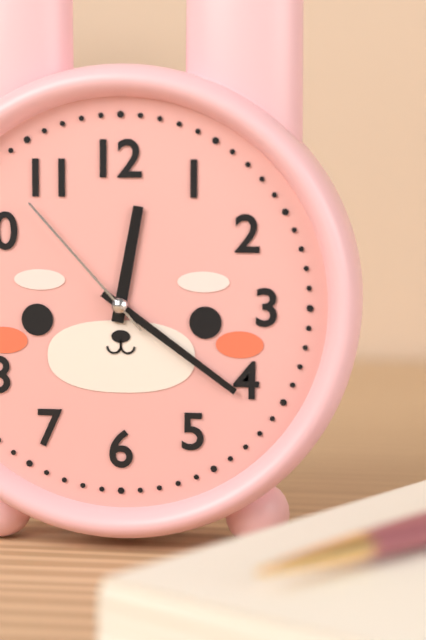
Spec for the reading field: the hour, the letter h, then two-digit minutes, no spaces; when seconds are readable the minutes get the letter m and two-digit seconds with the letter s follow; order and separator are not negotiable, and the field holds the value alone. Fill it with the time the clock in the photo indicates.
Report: 12h21m53s
